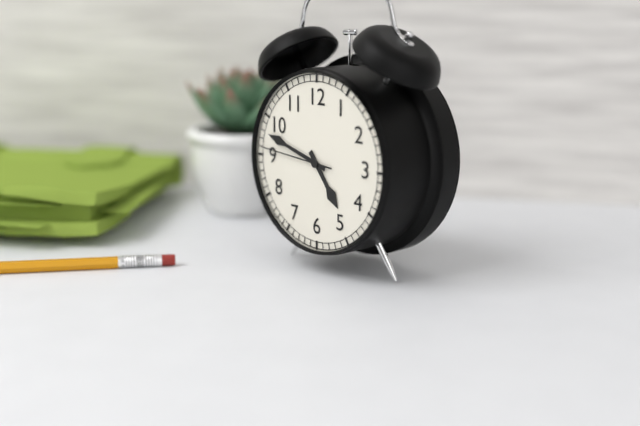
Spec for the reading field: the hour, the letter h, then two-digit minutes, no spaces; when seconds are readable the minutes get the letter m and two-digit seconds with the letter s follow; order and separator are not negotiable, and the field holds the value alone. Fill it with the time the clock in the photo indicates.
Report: 4h48m46s
